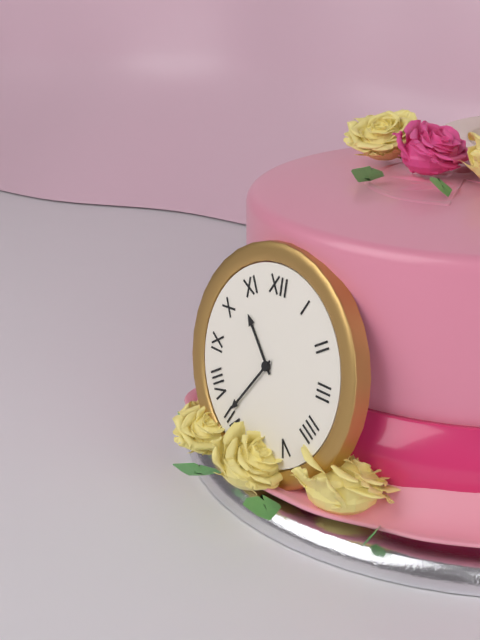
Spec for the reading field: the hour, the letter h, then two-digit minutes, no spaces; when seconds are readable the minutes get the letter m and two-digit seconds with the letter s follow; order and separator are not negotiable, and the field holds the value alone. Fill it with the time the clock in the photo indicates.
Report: 10h36
